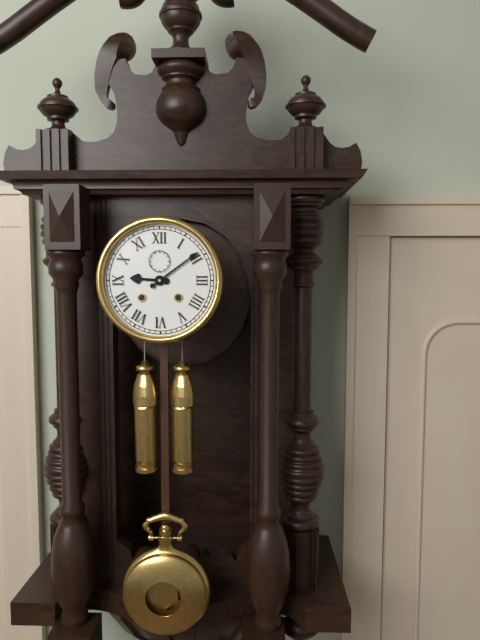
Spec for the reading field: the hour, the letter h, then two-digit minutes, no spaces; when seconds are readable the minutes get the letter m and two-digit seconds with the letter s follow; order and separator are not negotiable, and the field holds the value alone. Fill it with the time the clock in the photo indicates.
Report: 9h09
